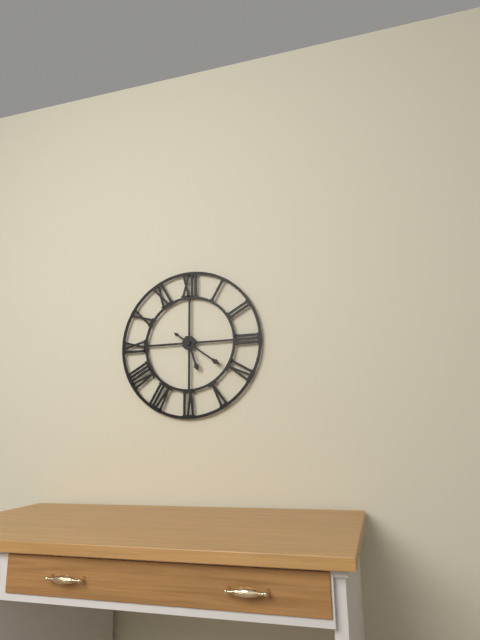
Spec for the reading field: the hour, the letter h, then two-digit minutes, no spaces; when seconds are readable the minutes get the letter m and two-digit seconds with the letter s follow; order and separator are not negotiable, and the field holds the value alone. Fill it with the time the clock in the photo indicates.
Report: 5h21
